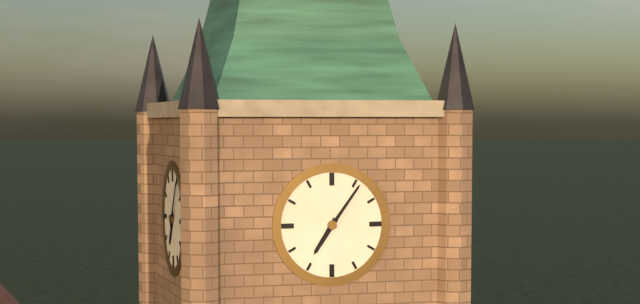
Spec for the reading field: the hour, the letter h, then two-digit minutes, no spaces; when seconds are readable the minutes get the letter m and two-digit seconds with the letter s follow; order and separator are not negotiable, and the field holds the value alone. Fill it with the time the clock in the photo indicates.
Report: 7h06
